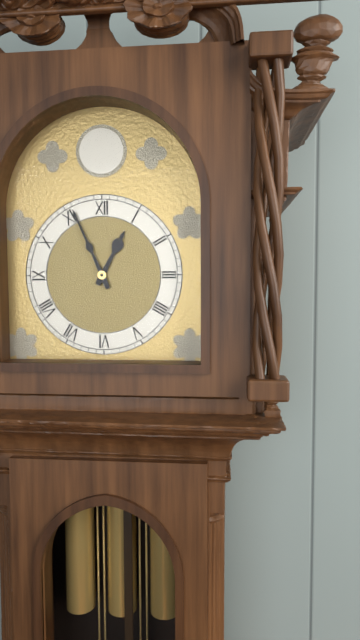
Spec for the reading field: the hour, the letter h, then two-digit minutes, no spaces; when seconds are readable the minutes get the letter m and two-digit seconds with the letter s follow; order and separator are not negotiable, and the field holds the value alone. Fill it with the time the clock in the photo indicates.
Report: 12h56
